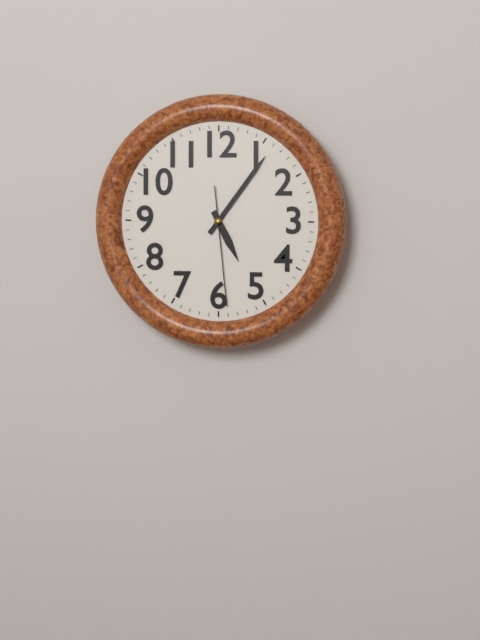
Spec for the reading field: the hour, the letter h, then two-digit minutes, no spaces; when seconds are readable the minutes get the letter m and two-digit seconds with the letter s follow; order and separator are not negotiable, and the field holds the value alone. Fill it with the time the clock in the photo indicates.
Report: 5h06m29s
